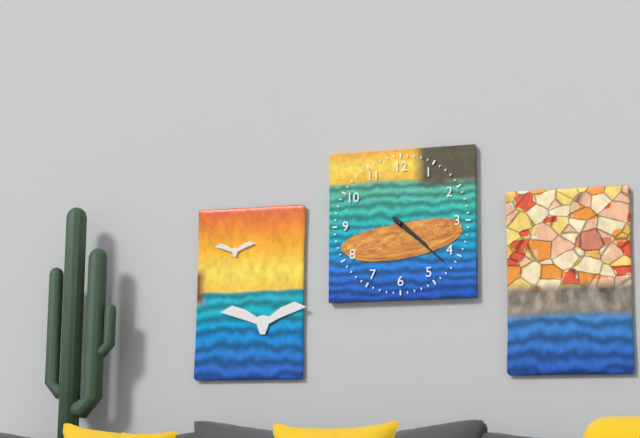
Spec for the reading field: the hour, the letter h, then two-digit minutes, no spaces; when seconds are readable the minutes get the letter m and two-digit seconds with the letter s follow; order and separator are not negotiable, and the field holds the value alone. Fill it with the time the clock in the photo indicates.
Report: 4h22
